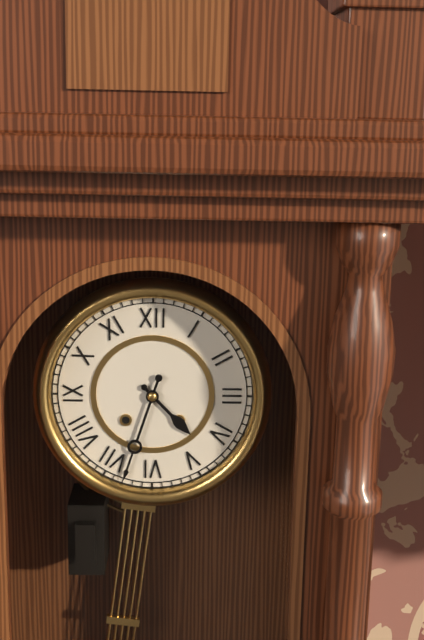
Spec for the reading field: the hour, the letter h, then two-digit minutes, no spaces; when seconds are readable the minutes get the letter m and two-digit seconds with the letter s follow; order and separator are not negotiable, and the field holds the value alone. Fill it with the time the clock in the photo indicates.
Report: 4h33
